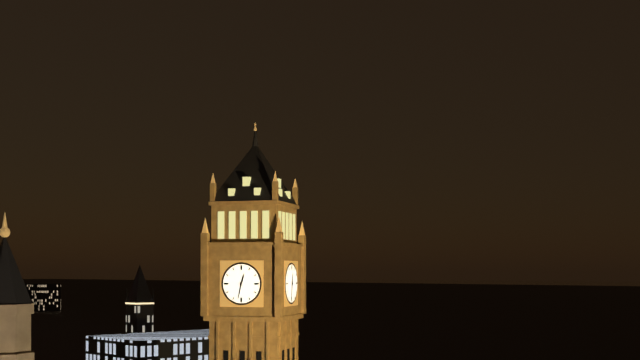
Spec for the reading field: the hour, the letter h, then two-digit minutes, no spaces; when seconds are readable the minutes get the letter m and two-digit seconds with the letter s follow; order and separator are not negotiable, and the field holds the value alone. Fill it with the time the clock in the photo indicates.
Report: 12h32
